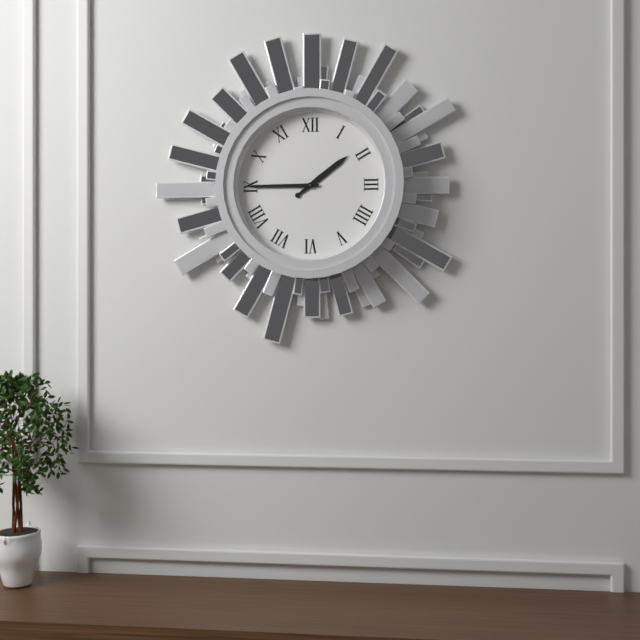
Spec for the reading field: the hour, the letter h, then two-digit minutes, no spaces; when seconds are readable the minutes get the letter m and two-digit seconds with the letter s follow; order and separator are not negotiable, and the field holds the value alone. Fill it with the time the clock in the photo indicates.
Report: 1h45
